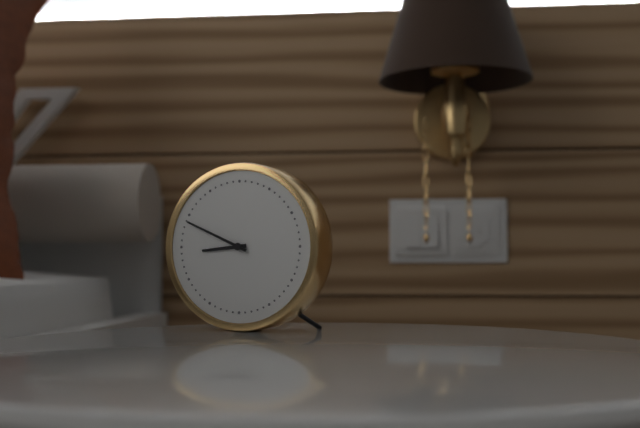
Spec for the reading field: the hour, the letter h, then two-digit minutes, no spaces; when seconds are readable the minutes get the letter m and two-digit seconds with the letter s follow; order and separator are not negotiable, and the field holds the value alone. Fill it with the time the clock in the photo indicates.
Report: 8h49
